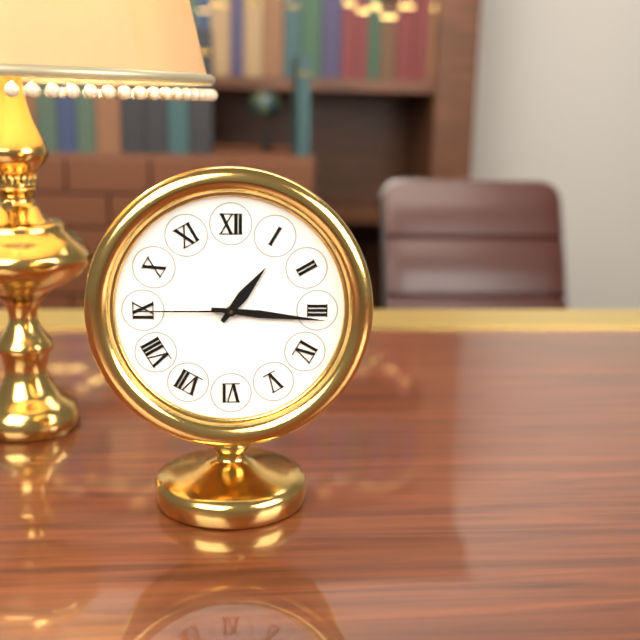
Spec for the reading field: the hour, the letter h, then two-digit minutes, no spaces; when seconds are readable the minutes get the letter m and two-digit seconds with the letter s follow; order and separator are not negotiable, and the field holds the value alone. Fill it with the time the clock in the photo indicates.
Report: 1h16m45s
